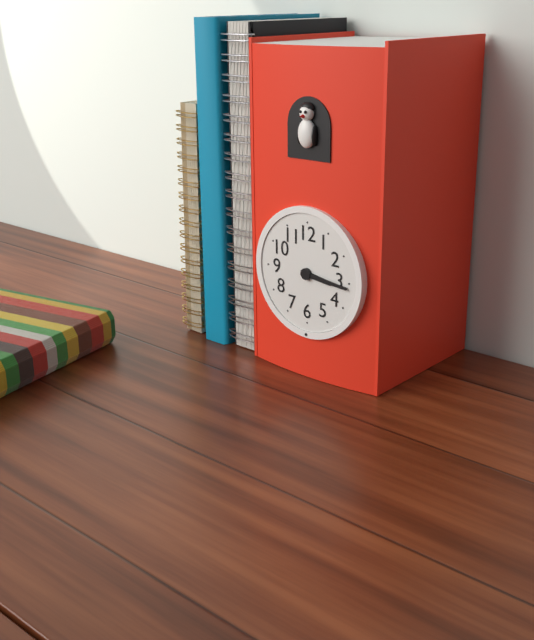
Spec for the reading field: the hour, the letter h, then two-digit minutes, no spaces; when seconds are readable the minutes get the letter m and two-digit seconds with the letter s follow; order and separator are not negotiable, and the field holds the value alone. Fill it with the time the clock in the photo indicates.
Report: 3h16
